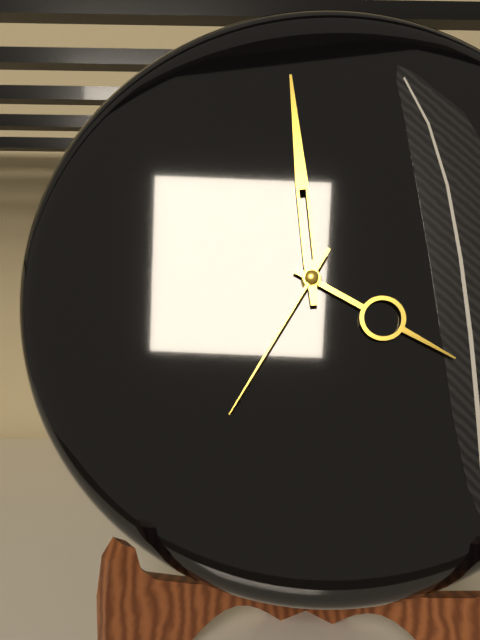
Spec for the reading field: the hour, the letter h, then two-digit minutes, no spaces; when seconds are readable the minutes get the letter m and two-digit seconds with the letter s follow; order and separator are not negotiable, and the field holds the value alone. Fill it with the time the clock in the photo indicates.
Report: 3h59m35s
